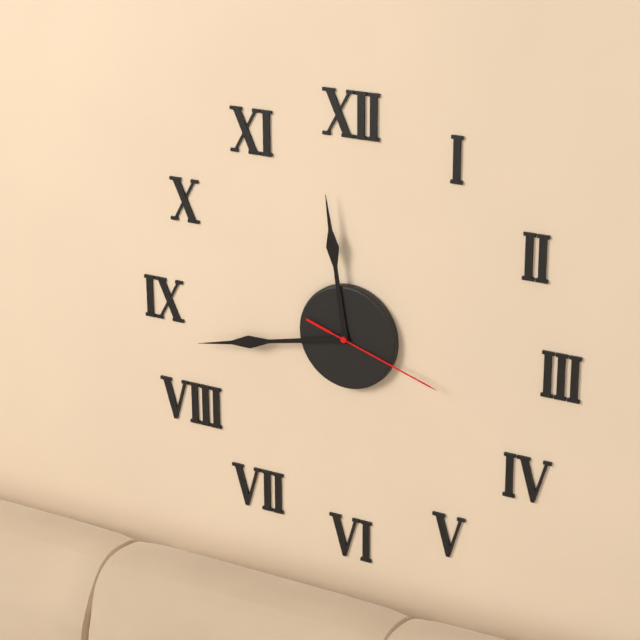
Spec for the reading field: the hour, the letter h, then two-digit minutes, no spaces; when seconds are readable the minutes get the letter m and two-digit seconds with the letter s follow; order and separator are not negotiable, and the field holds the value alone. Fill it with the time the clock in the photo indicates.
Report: 11h43m18s
